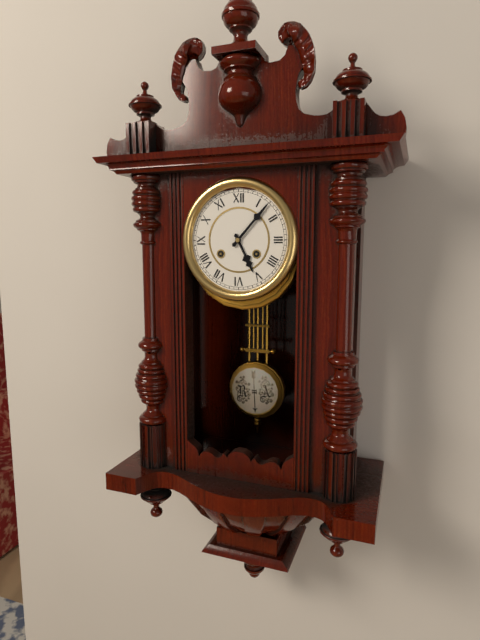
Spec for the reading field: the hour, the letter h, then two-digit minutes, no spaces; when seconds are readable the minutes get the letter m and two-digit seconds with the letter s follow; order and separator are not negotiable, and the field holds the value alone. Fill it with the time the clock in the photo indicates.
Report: 5h07
